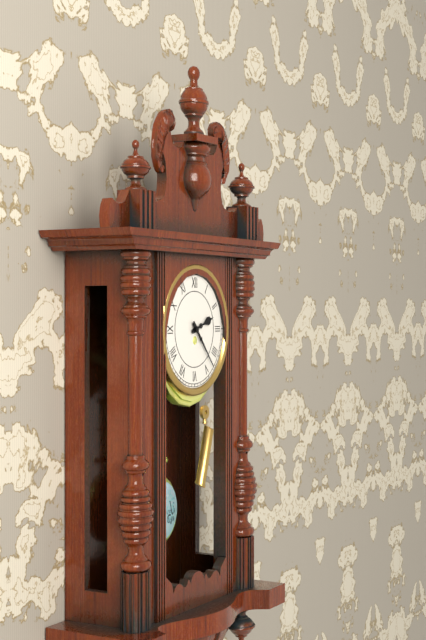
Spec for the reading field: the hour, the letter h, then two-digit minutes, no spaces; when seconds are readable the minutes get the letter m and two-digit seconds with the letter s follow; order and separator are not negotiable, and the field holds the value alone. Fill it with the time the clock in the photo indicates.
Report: 2h23
